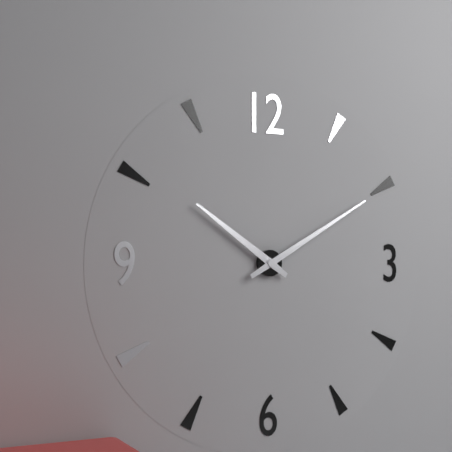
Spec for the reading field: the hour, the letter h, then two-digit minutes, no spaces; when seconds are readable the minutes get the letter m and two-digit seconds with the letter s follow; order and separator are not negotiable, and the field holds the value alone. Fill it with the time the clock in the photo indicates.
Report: 10h10
